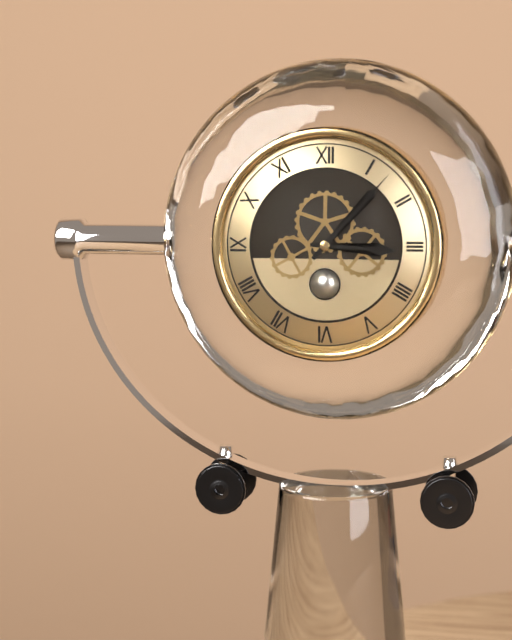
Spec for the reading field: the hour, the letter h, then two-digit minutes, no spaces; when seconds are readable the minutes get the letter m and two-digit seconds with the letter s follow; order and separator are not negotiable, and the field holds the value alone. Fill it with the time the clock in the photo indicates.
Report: 3h07
